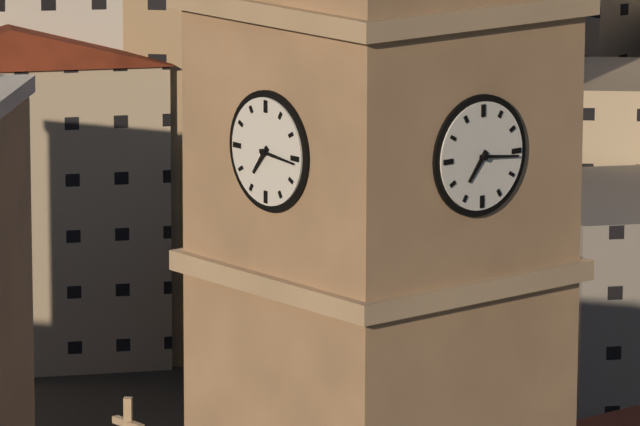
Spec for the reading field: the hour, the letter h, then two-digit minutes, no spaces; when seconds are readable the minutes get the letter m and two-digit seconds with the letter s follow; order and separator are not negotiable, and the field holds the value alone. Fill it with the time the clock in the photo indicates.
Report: 7h16
